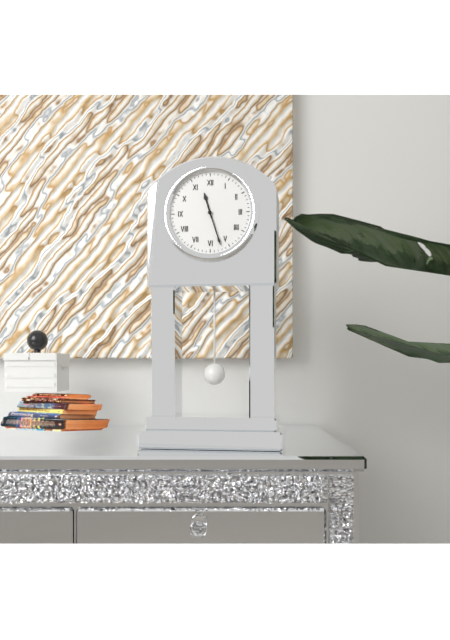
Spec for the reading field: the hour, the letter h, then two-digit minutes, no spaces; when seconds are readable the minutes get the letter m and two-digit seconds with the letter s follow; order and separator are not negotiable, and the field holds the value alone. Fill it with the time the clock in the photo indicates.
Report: 11h27
